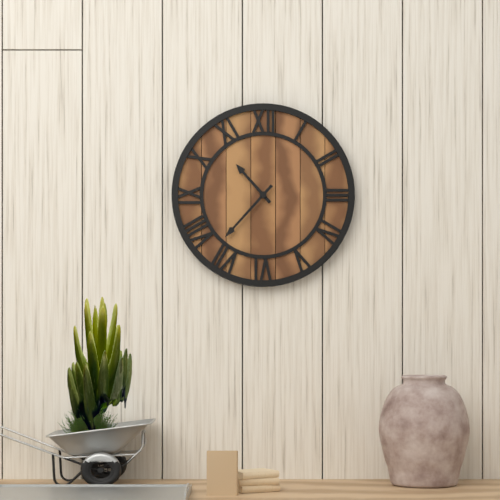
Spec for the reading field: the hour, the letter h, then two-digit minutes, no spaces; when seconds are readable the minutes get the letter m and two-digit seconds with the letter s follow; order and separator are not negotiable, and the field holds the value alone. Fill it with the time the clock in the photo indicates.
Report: 10h37
